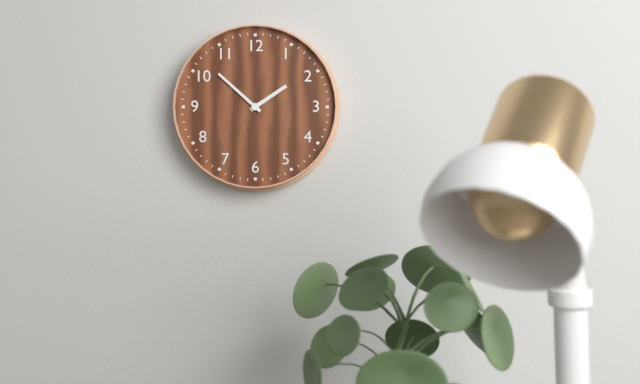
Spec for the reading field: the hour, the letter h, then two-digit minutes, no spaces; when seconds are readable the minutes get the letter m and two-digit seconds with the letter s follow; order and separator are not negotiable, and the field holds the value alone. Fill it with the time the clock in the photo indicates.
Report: 1h52
